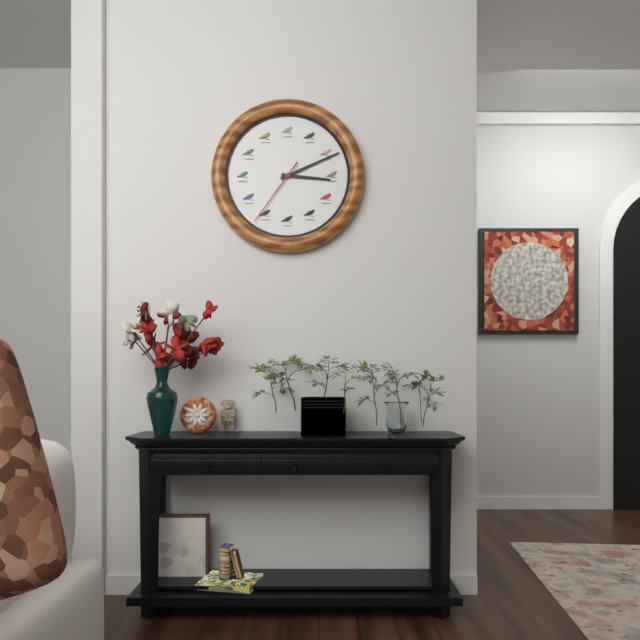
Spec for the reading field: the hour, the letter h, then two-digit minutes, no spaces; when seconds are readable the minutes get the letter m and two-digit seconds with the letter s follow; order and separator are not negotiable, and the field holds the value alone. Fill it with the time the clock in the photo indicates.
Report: 3h11m36s
